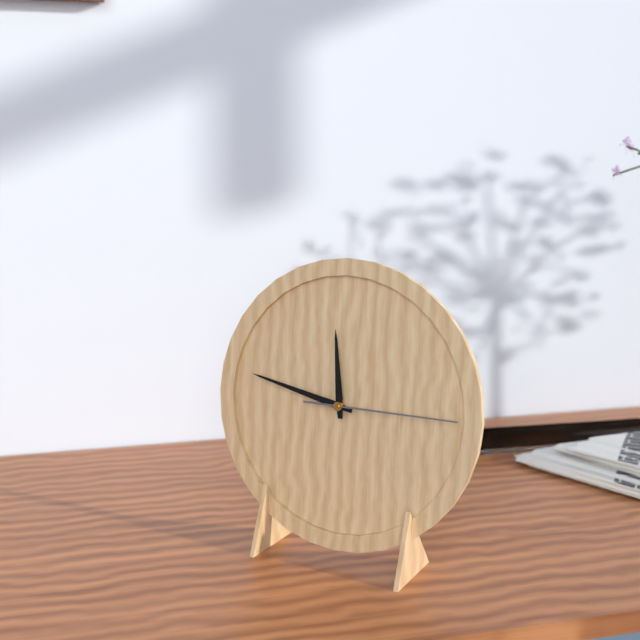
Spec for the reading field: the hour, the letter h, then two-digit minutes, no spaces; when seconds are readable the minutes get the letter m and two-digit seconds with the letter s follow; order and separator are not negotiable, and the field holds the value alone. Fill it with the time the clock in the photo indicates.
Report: 11h47m15s
